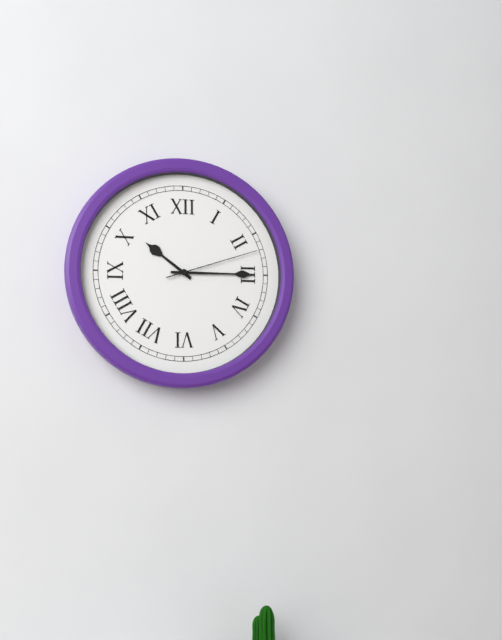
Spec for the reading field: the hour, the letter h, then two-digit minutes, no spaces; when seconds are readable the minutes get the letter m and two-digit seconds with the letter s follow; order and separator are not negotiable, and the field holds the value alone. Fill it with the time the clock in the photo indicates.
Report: 10h15m12s
